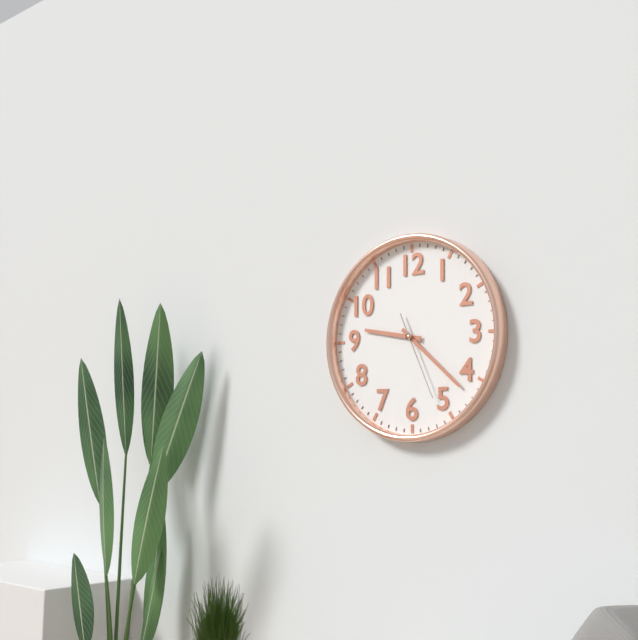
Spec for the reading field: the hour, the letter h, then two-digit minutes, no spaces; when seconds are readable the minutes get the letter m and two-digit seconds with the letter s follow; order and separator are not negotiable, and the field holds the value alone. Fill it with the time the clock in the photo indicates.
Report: 9h22m26s
